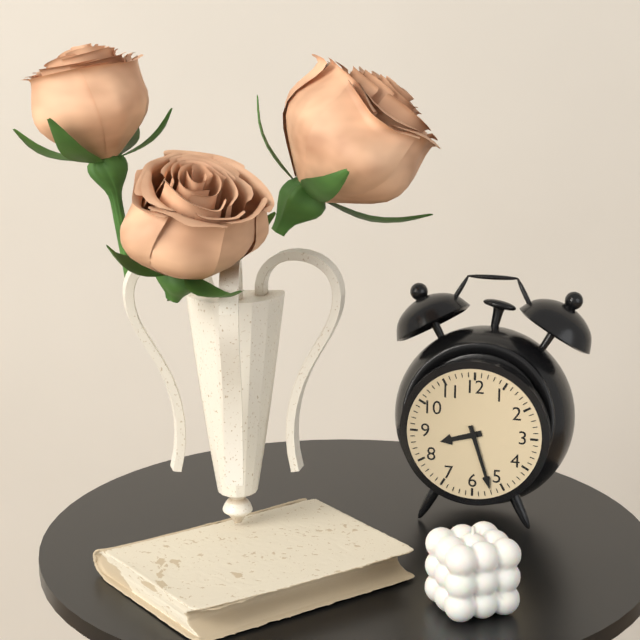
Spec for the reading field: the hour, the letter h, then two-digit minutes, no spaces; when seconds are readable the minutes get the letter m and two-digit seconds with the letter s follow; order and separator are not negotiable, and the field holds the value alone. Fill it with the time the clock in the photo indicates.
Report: 8h27
